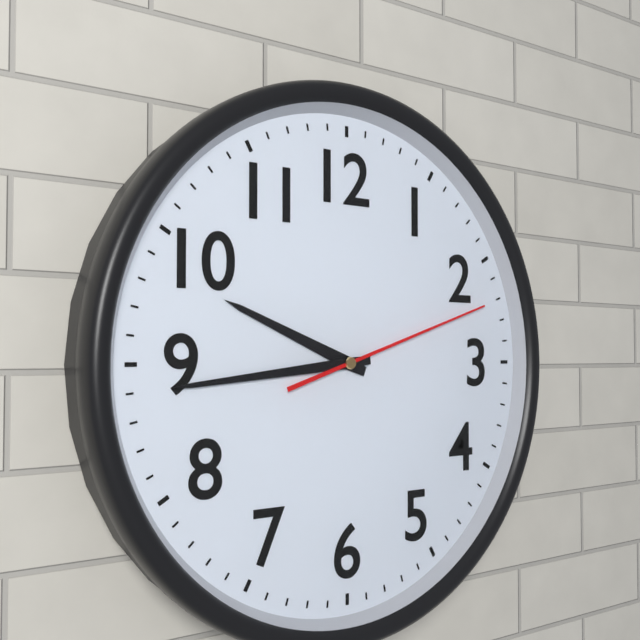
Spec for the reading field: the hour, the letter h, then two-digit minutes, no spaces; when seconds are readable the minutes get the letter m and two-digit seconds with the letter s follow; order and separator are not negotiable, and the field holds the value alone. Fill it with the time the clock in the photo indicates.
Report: 9h44m12s
